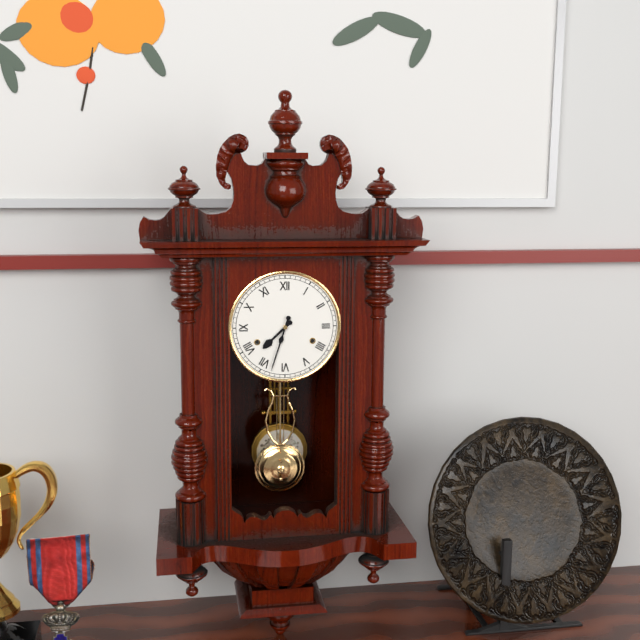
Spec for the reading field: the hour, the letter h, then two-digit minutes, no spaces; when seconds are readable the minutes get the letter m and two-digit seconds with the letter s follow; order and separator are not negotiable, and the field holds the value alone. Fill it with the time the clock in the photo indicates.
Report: 7h33
